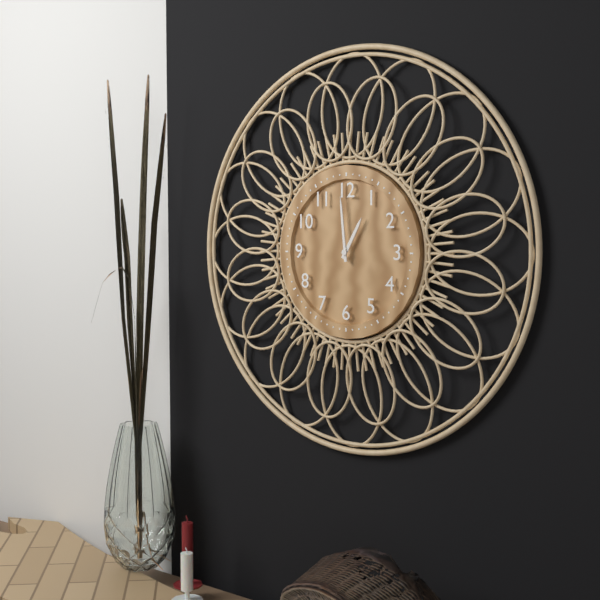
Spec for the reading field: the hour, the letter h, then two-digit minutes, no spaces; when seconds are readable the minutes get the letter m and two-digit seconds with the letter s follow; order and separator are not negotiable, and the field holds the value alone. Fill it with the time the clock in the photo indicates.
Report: 12h59
